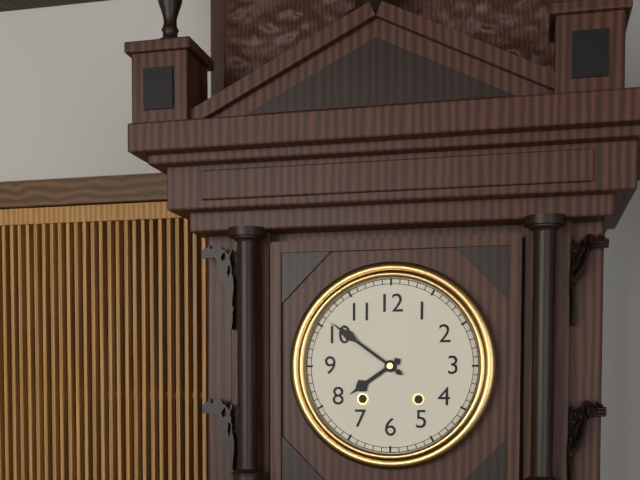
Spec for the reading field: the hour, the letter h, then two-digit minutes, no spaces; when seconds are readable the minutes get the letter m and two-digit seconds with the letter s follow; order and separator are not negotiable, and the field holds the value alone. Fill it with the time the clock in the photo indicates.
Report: 7h51
